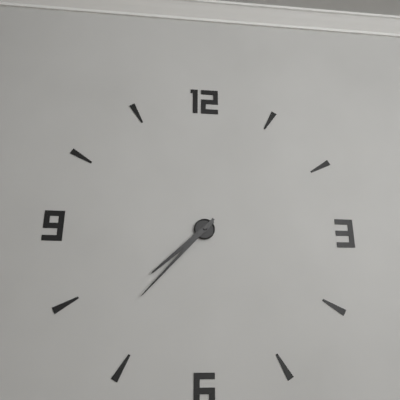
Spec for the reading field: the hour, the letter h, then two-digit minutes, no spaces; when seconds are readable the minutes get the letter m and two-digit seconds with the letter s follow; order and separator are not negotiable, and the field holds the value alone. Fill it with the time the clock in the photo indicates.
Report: 7h37
